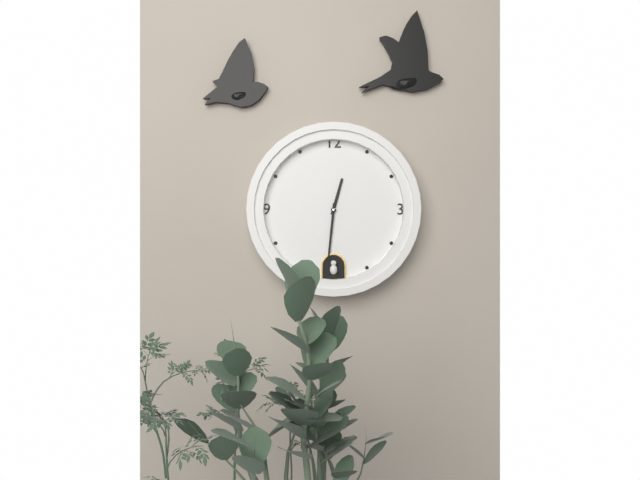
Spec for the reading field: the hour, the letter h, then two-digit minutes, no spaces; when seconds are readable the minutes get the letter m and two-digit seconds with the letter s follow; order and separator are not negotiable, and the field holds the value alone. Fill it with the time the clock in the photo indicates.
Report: 12h31
